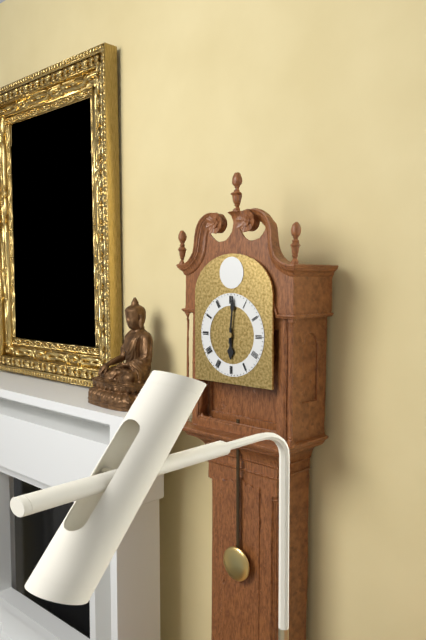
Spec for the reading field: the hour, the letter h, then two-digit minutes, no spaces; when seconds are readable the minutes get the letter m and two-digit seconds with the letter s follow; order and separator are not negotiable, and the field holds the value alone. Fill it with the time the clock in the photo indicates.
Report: 6h01
